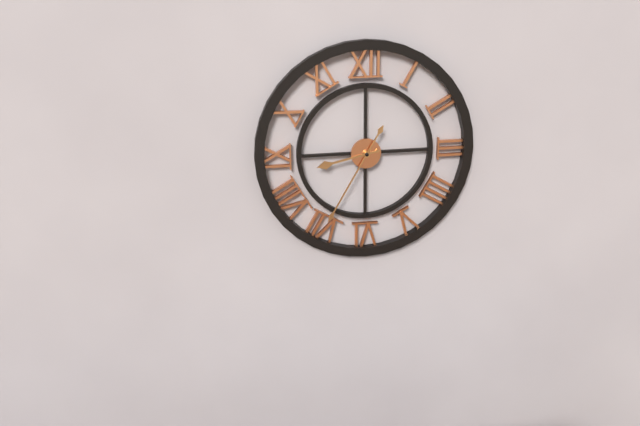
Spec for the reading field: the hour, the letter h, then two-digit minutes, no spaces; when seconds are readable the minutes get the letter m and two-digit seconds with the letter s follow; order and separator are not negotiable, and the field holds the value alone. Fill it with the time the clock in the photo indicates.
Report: 8h35
